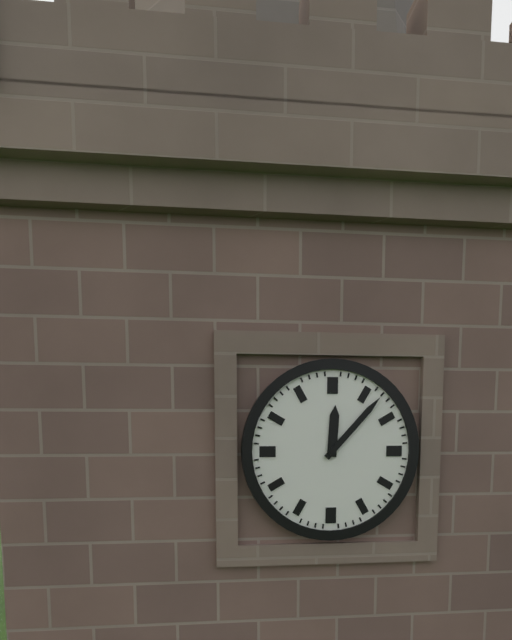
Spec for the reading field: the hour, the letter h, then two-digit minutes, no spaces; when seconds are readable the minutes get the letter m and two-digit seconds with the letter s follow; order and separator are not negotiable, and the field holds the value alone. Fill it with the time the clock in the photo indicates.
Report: 12h07
